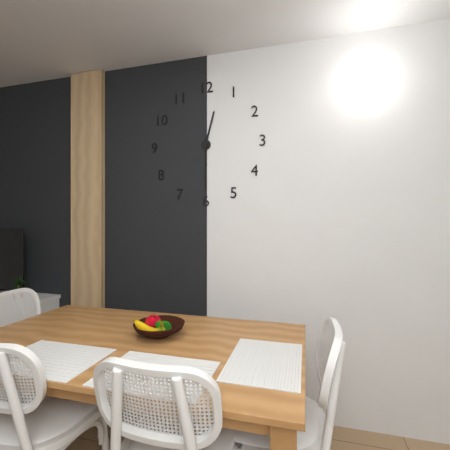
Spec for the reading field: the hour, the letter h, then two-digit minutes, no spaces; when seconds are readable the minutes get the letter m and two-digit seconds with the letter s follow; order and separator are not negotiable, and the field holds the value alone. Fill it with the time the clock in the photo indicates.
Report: 12h30
